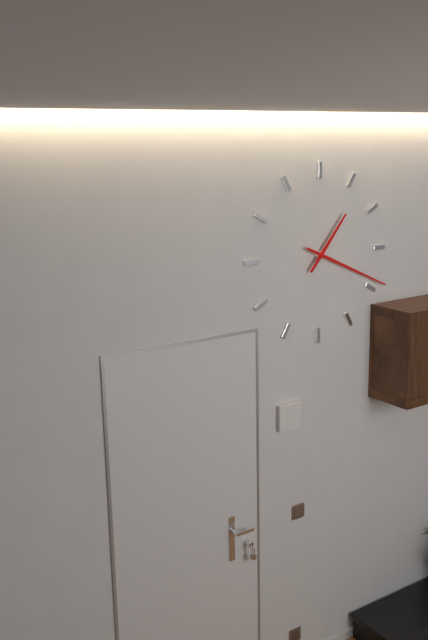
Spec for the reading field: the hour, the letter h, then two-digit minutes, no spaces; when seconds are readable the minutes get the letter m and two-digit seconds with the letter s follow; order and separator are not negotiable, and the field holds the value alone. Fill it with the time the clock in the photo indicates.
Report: 1h19
